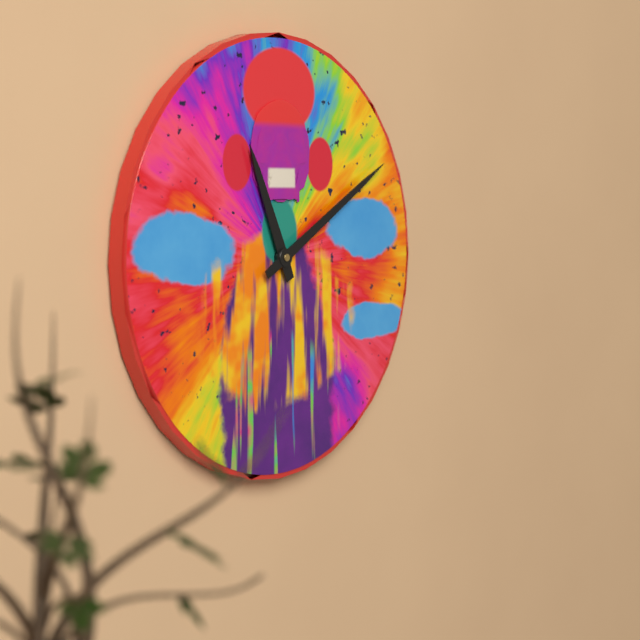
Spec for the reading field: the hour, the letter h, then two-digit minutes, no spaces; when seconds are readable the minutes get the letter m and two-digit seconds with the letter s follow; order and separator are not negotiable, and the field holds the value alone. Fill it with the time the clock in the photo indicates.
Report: 11h10
